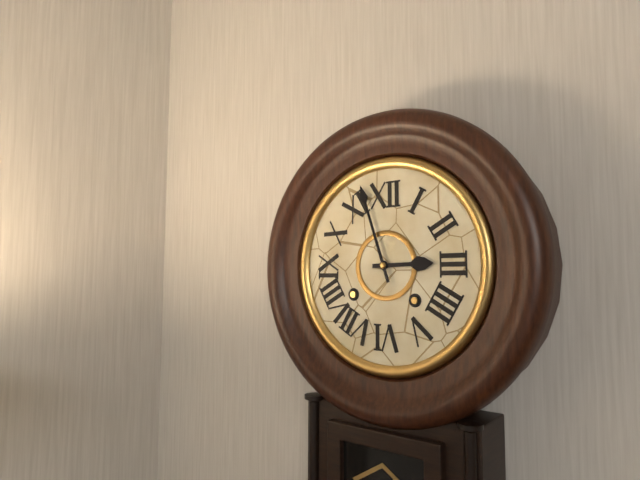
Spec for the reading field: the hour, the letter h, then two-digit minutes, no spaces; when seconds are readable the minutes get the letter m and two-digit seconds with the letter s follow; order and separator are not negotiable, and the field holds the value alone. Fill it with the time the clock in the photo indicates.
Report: 2h57
